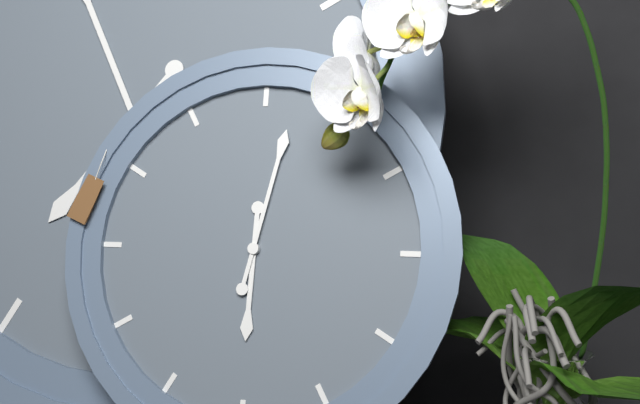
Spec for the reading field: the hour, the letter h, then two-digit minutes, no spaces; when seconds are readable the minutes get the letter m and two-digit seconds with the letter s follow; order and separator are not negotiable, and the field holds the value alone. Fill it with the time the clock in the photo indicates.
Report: 6h02
